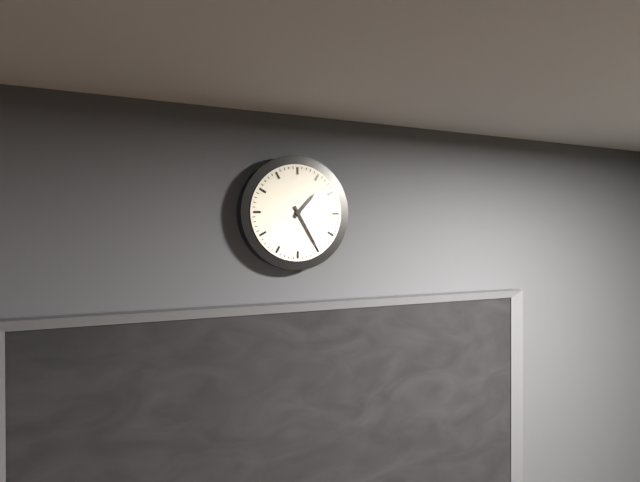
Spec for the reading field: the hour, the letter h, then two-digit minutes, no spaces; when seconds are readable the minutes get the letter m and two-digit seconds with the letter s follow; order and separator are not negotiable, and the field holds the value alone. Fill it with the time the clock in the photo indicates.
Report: 1h25
